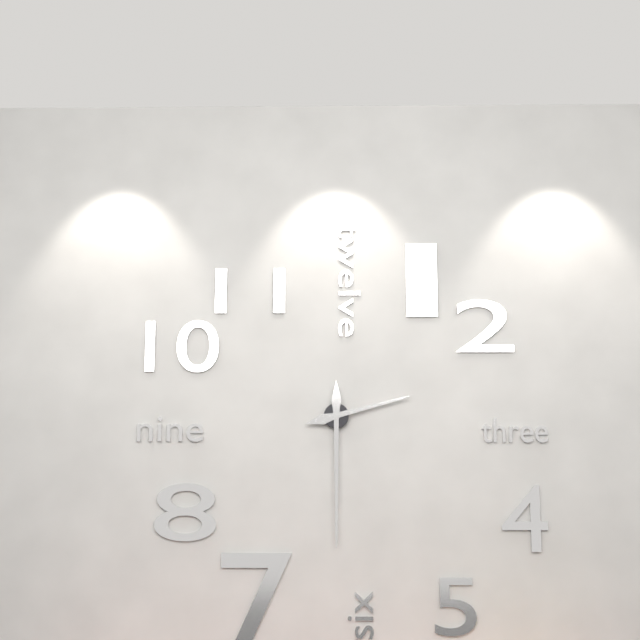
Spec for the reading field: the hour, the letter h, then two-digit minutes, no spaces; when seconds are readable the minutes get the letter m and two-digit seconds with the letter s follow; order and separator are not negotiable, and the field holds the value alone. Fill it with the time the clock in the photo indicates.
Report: 2h30
